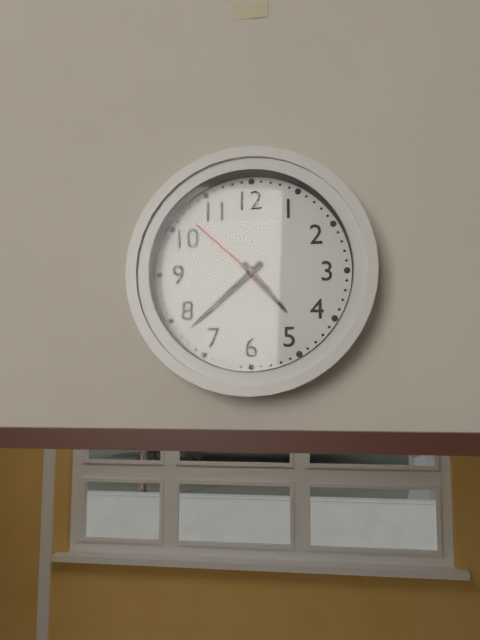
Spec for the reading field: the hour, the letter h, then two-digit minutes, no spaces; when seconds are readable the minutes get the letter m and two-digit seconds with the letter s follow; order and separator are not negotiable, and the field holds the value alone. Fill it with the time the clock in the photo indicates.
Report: 4h38m52s
